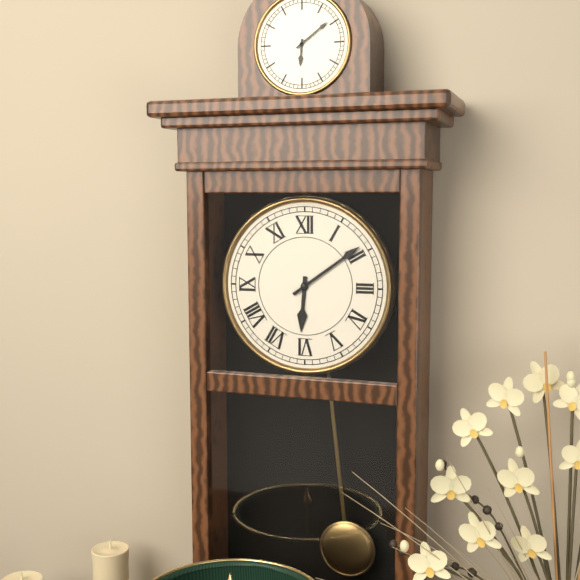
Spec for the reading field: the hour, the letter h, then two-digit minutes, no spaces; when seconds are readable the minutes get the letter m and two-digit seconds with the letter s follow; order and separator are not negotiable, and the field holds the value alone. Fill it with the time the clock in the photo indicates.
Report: 6h09
